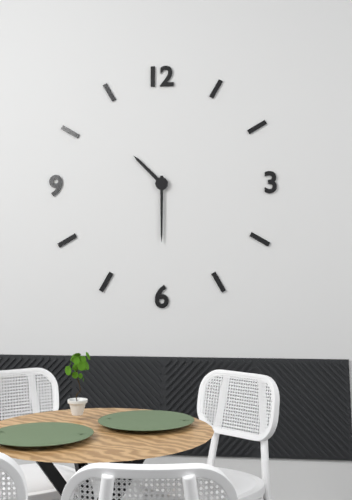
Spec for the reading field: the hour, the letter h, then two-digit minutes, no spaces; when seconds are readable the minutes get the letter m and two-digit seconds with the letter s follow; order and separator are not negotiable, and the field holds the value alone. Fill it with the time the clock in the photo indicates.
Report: 10h30
